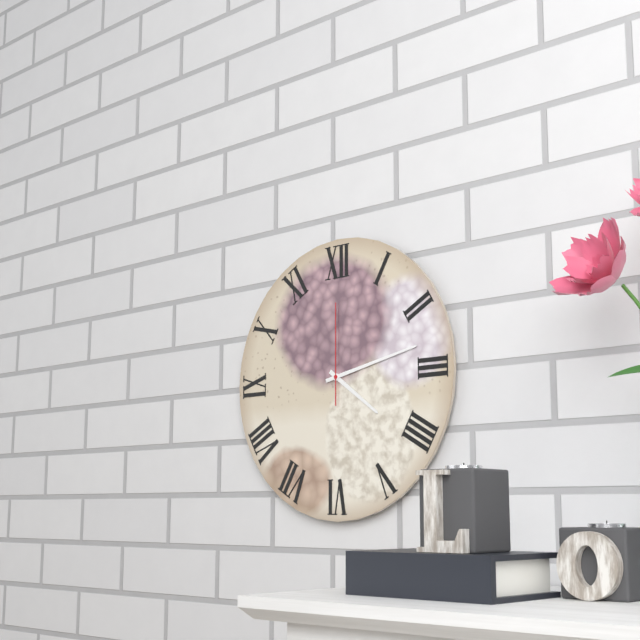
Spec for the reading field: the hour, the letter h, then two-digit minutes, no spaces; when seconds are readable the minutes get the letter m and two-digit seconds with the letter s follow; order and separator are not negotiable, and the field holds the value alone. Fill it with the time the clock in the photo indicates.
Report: 4h13m00s
